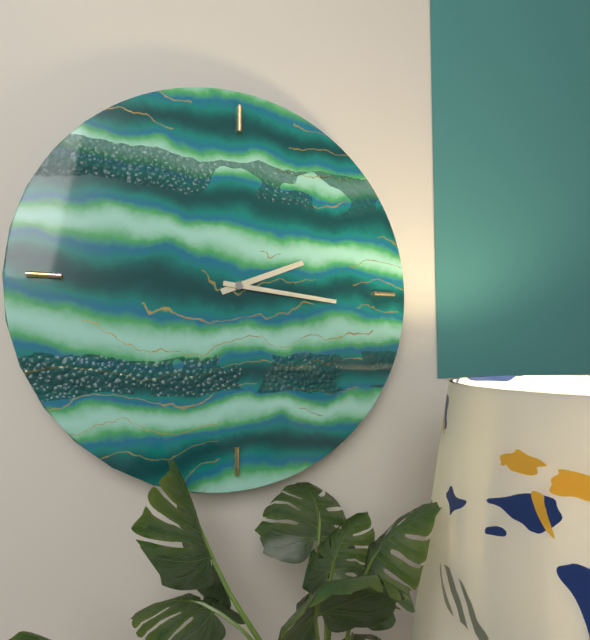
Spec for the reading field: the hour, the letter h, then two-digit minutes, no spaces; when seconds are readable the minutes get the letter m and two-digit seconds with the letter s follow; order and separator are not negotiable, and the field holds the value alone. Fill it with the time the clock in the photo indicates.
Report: 2h16
